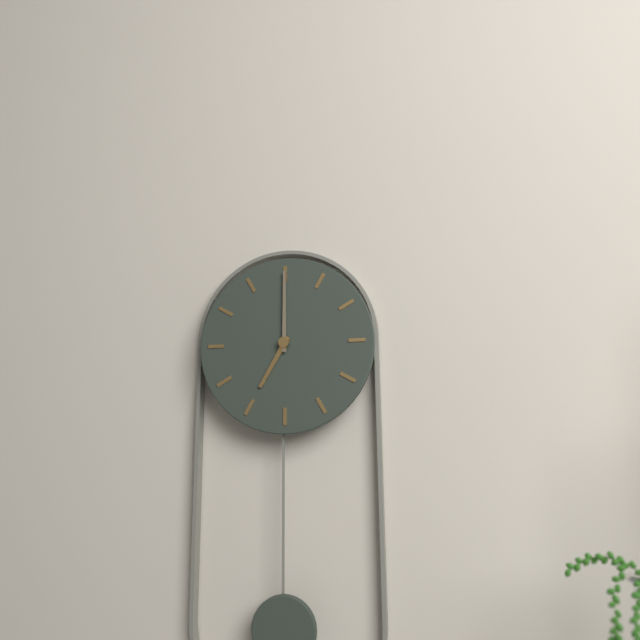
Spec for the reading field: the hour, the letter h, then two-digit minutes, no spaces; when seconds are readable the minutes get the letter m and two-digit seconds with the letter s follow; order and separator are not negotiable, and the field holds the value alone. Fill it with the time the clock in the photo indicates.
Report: 7h00
